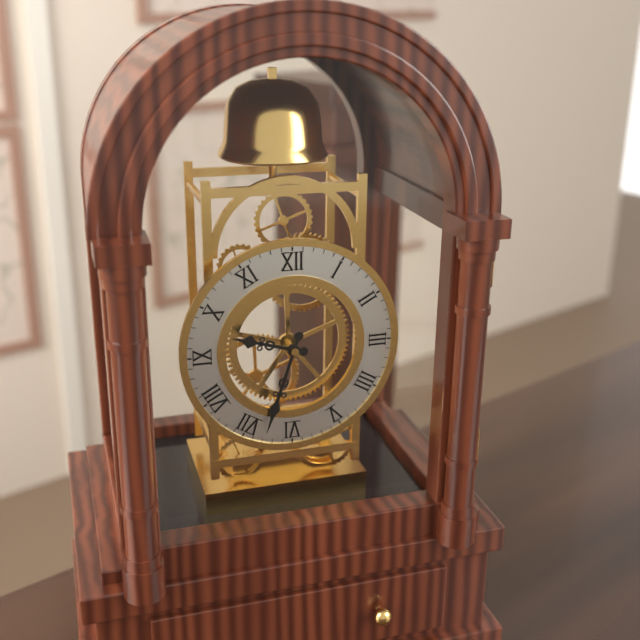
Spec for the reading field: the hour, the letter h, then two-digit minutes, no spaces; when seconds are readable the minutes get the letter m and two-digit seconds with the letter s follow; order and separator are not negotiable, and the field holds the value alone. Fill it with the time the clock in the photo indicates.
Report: 9h33
